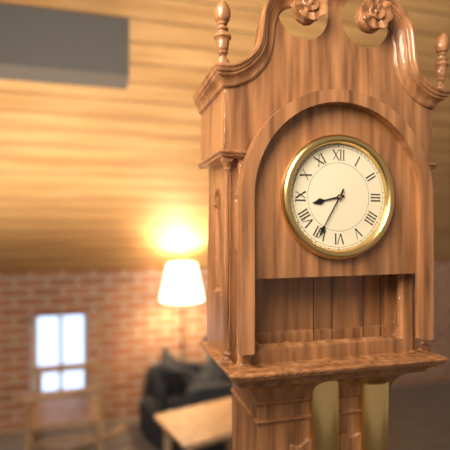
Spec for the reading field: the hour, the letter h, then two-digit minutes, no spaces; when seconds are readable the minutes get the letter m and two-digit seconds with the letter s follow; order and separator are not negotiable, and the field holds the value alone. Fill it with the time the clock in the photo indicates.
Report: 8h35
